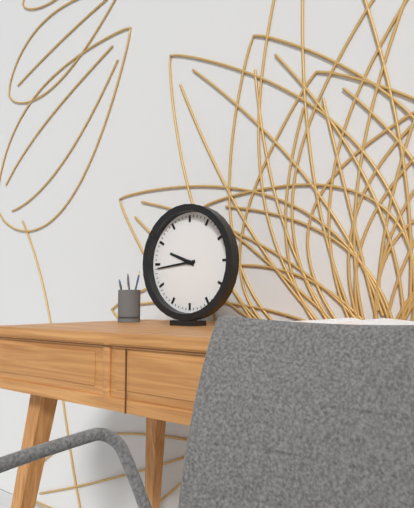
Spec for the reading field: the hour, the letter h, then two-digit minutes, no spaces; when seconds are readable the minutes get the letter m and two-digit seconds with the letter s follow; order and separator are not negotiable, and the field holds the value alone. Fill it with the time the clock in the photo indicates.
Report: 9h44
